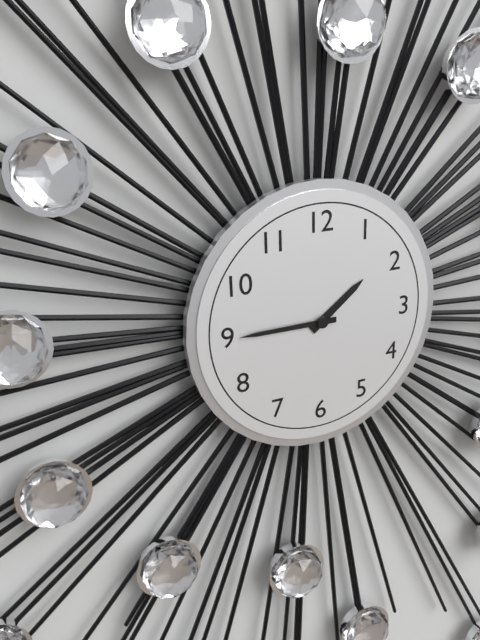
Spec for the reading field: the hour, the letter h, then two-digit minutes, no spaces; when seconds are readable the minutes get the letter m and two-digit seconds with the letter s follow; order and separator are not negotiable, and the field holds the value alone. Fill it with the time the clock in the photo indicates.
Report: 1h45
